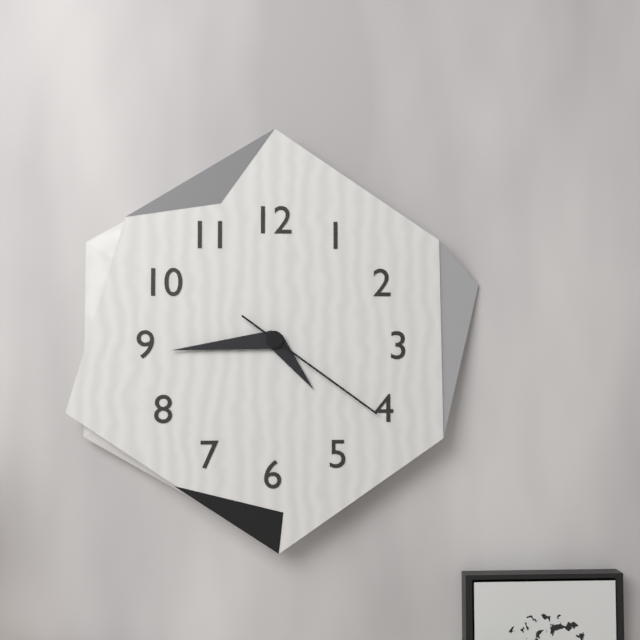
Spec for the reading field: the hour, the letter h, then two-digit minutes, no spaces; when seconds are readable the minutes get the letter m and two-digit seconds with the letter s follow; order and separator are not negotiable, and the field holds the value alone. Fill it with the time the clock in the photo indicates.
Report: 4h44m21s
